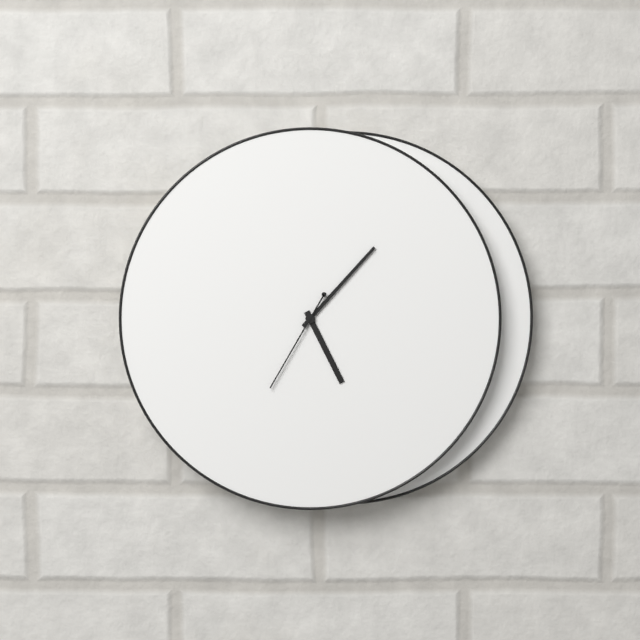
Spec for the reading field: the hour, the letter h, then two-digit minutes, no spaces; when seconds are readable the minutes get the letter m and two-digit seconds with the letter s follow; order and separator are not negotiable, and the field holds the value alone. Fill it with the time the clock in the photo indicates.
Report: 5h07m35s
